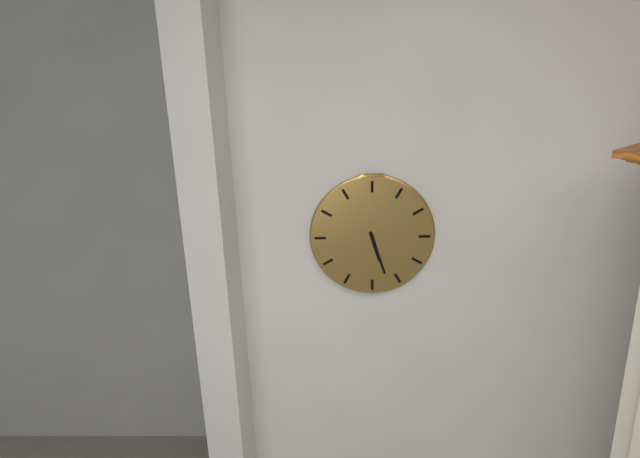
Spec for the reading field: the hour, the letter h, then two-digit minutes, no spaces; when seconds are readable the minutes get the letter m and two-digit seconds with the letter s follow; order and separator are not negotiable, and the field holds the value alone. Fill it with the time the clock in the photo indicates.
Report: 5h27
